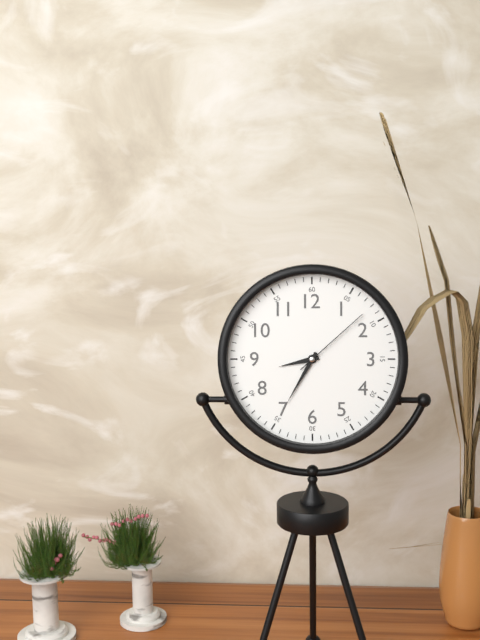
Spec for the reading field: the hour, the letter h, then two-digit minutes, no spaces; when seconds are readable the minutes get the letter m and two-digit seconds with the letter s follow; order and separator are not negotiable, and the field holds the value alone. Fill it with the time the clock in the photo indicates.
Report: 8h35m08s
